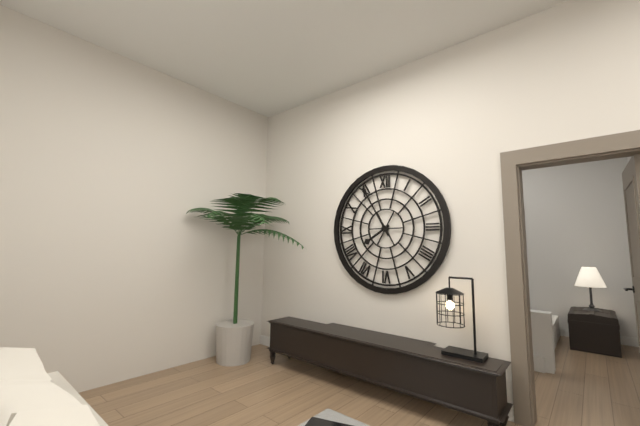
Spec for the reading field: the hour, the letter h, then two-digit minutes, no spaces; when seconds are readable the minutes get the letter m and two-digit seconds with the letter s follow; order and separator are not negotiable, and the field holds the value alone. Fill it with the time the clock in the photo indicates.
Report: 7h55
